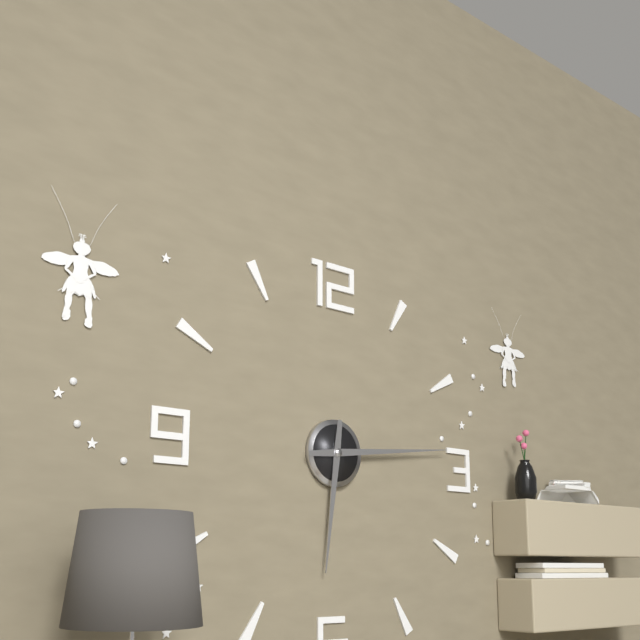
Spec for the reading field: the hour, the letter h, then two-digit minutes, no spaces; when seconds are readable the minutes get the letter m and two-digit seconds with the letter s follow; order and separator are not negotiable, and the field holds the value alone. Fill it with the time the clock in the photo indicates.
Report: 6h14
